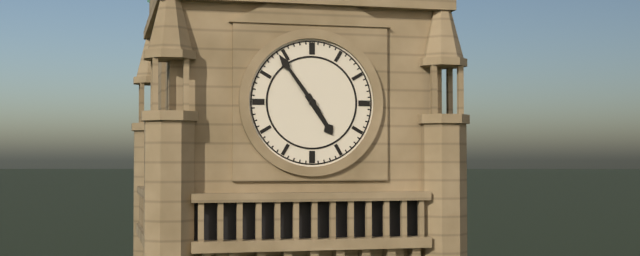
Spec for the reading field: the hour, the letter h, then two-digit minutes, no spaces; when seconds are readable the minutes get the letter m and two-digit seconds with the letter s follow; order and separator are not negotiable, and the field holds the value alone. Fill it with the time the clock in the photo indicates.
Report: 4h54
